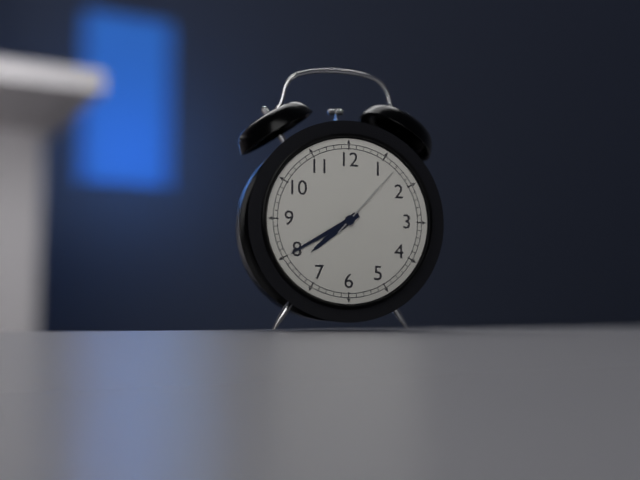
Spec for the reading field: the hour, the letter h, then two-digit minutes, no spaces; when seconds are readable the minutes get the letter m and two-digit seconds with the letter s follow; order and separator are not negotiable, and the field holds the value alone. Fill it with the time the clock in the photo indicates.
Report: 7h40m07s
